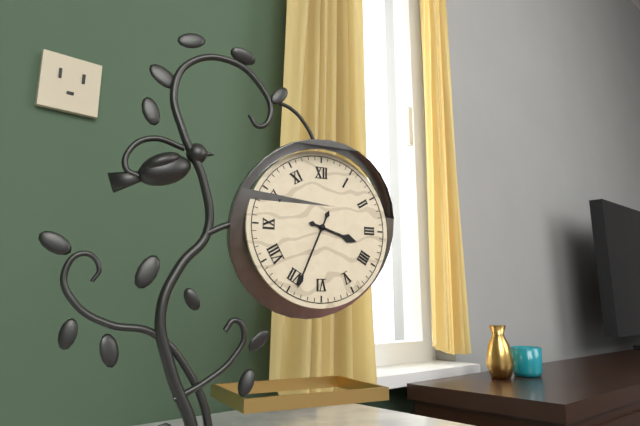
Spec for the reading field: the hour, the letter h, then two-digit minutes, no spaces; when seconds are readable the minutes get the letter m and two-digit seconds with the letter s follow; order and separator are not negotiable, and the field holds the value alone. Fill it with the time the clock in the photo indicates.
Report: 3h34
